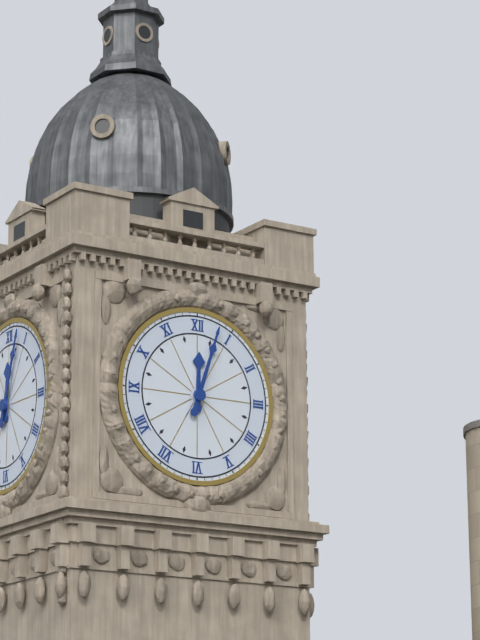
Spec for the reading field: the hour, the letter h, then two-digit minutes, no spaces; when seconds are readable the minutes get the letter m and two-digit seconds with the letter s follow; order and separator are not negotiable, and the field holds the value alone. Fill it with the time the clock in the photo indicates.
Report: 12h03
